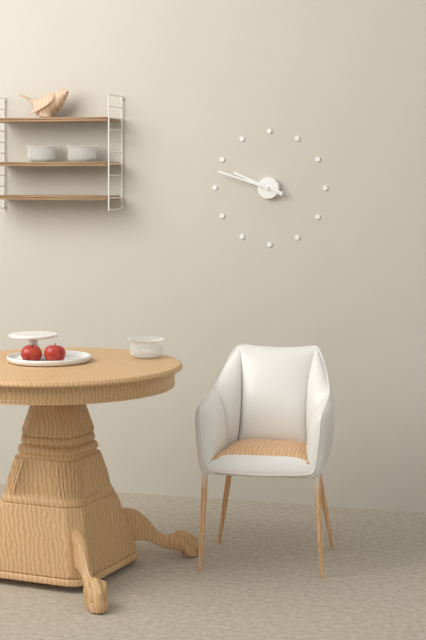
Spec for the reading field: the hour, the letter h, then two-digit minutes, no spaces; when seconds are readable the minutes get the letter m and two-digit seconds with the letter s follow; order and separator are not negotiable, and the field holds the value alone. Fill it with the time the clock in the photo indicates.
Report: 9h48
